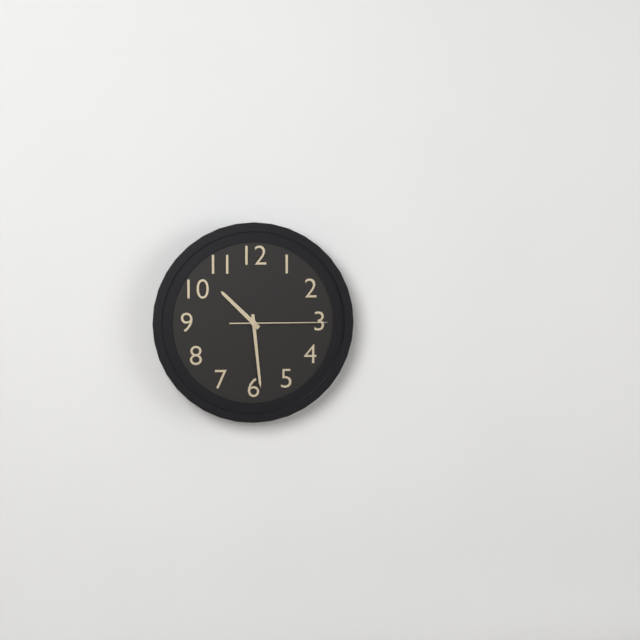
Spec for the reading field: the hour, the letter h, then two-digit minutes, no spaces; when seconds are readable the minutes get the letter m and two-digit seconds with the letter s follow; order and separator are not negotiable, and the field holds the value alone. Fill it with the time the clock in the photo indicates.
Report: 10h29m15s
